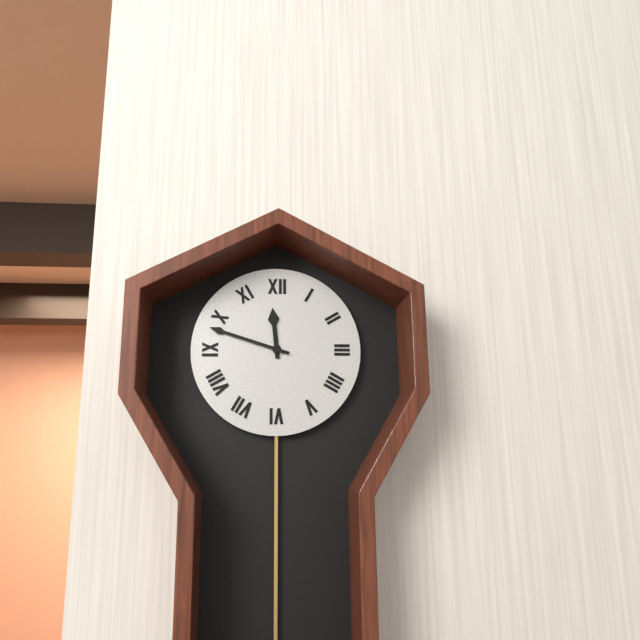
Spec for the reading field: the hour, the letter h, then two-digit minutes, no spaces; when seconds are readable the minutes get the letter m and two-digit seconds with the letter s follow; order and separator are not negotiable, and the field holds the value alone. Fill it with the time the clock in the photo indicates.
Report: 11h48
